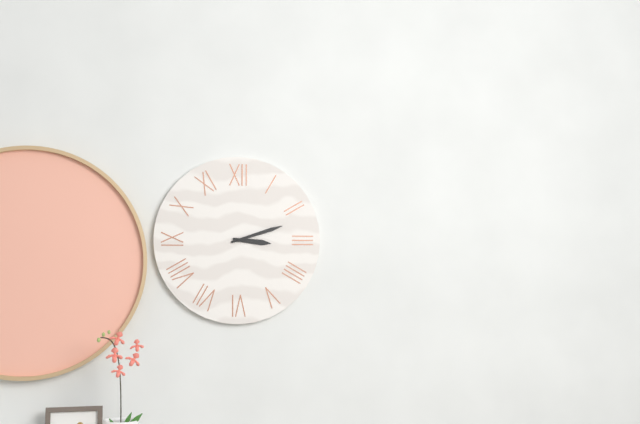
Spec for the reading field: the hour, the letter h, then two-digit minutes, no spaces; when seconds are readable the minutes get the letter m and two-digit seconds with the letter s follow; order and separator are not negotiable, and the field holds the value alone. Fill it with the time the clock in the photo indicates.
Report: 3h12
